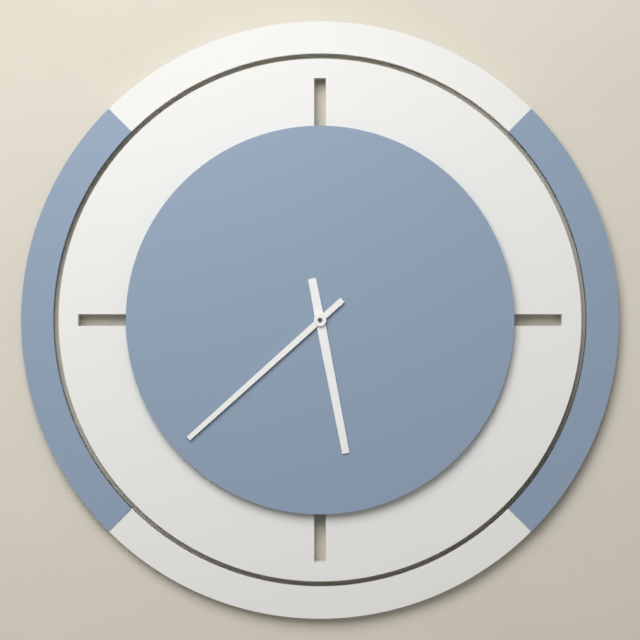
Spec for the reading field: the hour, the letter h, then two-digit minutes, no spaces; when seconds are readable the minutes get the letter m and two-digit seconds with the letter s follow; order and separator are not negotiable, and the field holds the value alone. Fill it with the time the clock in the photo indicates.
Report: 5h38
